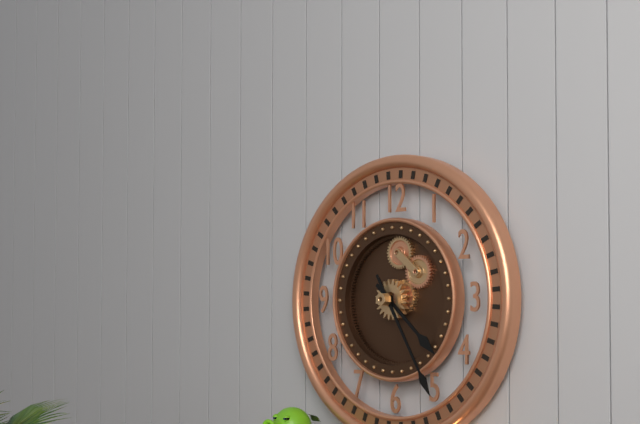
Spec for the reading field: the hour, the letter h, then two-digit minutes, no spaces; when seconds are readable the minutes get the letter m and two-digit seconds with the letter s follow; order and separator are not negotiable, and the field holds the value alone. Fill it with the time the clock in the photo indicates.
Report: 4h25
